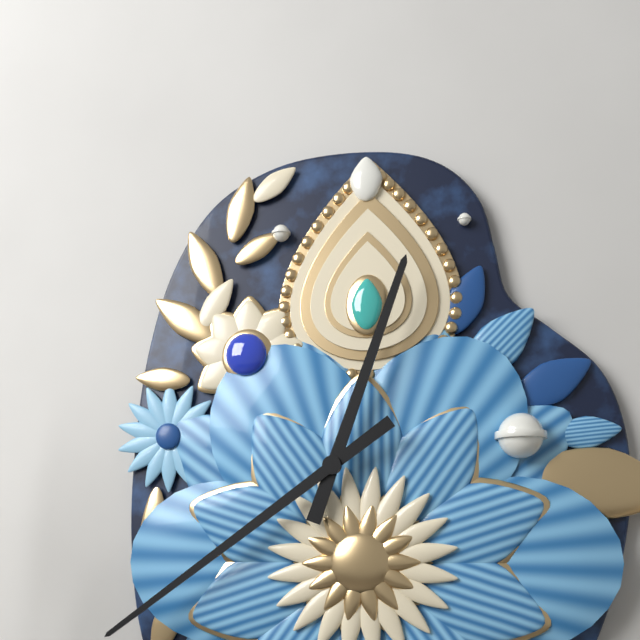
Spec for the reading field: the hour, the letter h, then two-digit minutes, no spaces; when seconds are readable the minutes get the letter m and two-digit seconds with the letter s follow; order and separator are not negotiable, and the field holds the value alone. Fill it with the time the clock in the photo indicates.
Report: 12h39
